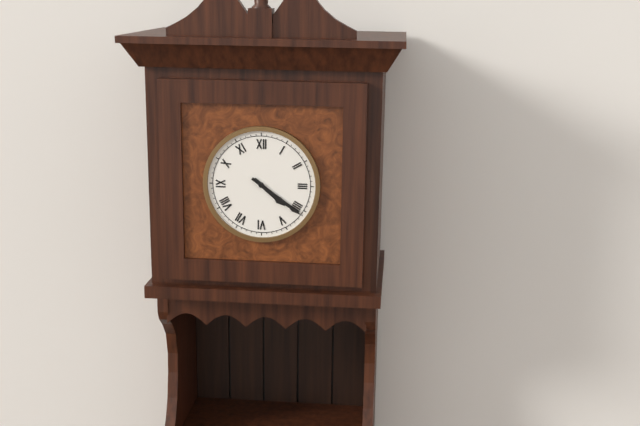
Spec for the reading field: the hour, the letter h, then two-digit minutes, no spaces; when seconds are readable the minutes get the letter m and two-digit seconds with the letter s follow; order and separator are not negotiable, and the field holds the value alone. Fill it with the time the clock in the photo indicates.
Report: 4h21
